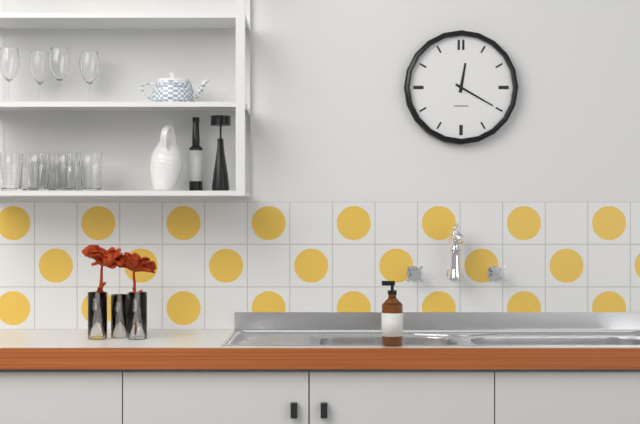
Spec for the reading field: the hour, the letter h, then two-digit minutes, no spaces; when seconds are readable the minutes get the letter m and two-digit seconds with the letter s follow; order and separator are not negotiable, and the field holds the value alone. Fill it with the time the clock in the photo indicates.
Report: 12h20
